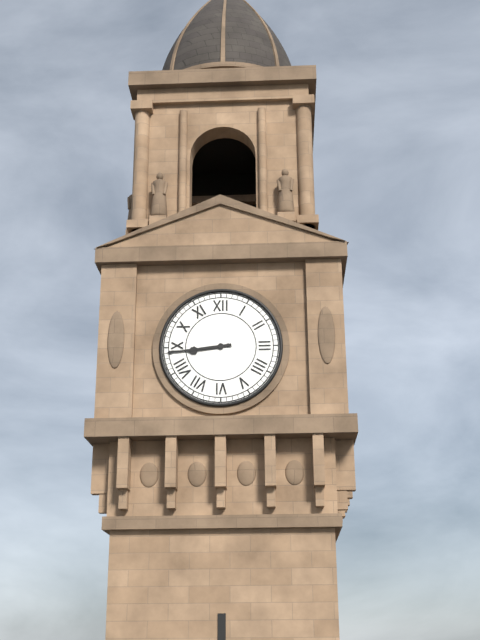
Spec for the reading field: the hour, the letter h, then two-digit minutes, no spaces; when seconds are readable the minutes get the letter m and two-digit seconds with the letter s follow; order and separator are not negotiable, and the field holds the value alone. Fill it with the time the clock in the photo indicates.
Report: 8h44
